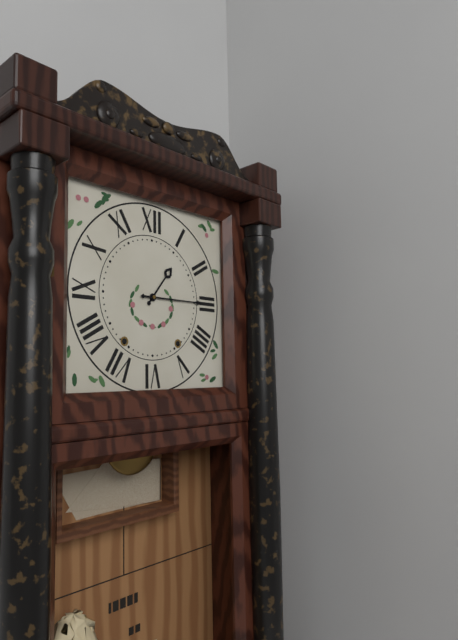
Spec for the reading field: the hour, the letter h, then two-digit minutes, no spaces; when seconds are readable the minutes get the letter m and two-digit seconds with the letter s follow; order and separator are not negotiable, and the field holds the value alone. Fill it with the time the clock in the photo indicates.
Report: 1h15
